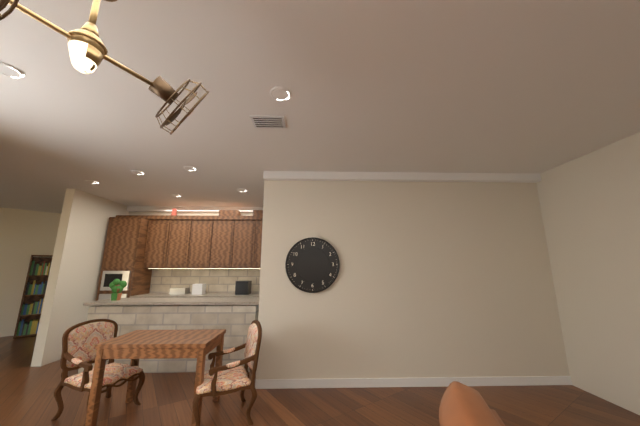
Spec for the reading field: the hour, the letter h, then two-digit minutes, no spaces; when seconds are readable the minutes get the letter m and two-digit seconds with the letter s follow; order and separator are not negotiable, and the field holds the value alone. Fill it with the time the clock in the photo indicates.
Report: 3h28
